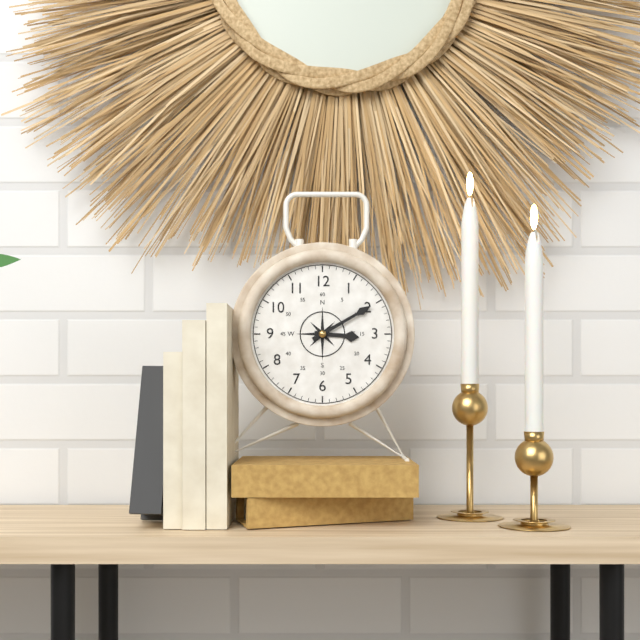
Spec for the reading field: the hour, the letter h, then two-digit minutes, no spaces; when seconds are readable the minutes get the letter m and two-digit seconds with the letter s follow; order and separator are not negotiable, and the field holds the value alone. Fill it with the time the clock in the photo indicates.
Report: 3h10
